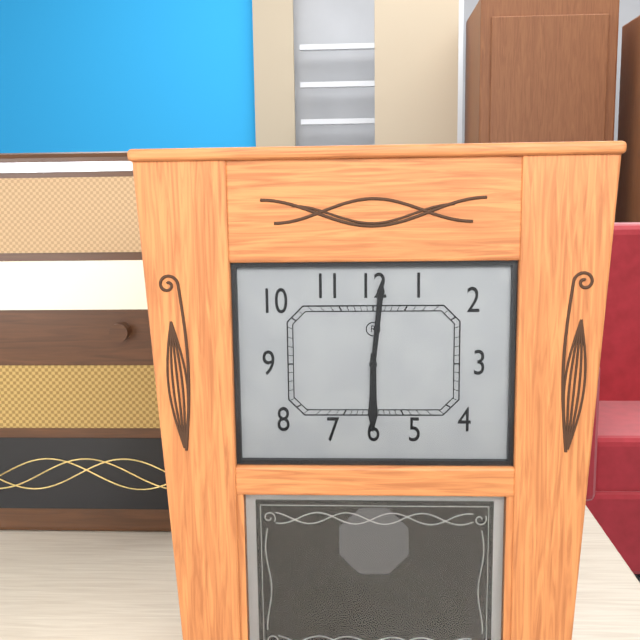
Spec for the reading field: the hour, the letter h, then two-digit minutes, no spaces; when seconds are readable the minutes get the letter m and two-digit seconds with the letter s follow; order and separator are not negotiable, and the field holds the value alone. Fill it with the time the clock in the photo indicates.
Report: 6h01
